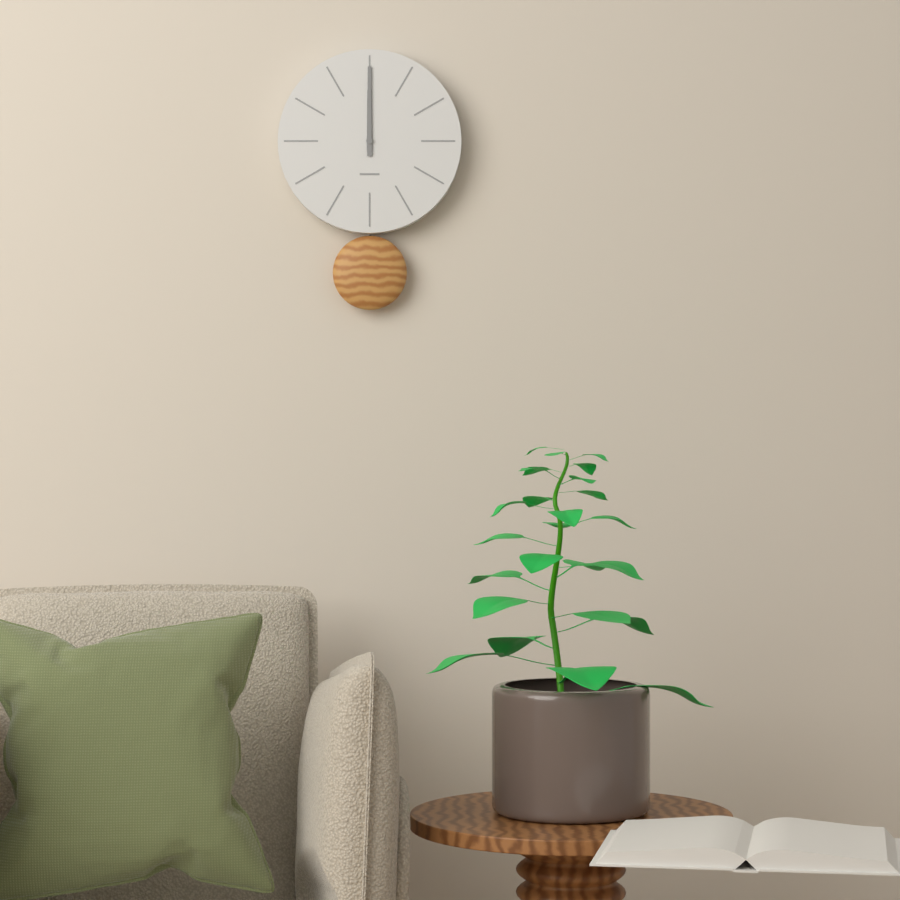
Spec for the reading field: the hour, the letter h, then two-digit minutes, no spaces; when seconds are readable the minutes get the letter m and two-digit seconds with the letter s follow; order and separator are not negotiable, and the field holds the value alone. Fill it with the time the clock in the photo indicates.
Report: 12h00
